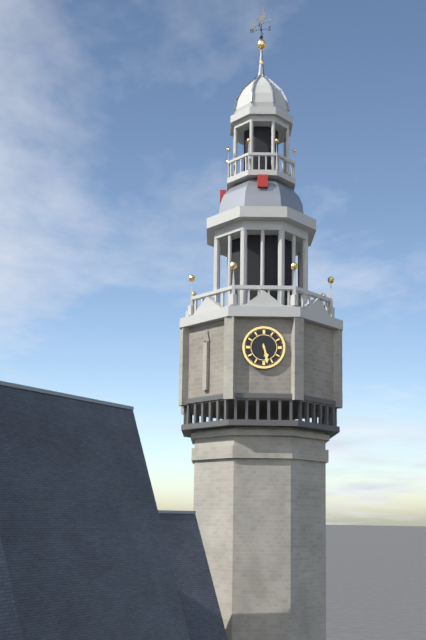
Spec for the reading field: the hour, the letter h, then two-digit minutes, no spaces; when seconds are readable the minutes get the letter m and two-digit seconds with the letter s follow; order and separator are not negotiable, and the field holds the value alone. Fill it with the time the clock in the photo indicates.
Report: 5h28
